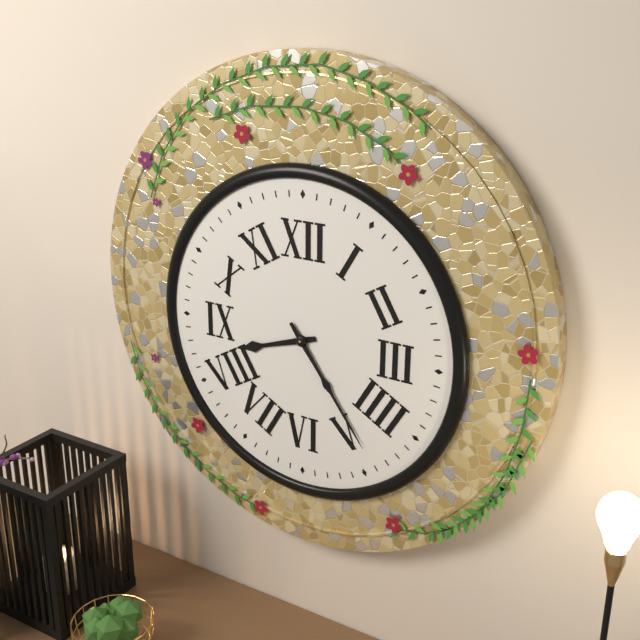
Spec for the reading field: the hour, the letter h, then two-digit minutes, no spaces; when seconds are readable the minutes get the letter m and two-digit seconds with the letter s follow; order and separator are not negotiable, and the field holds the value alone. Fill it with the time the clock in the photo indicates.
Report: 8h24
